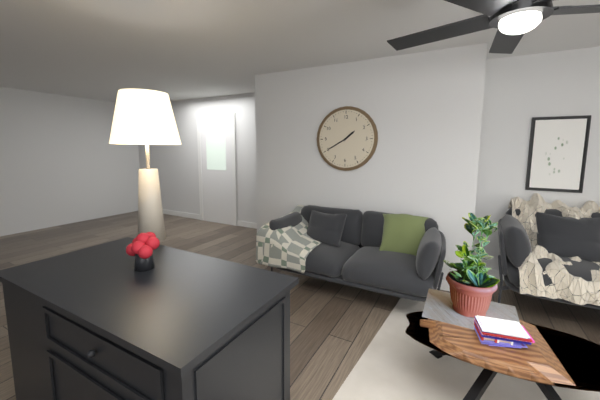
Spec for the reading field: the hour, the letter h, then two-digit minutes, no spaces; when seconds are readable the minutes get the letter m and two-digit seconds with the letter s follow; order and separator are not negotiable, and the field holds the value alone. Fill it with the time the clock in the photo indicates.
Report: 1h40
